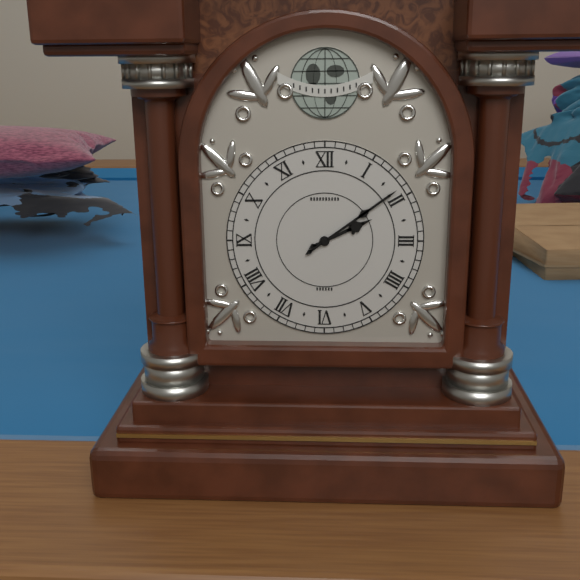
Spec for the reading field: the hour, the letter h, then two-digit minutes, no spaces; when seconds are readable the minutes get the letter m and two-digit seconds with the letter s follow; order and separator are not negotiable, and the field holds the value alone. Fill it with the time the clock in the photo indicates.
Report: 2h09
